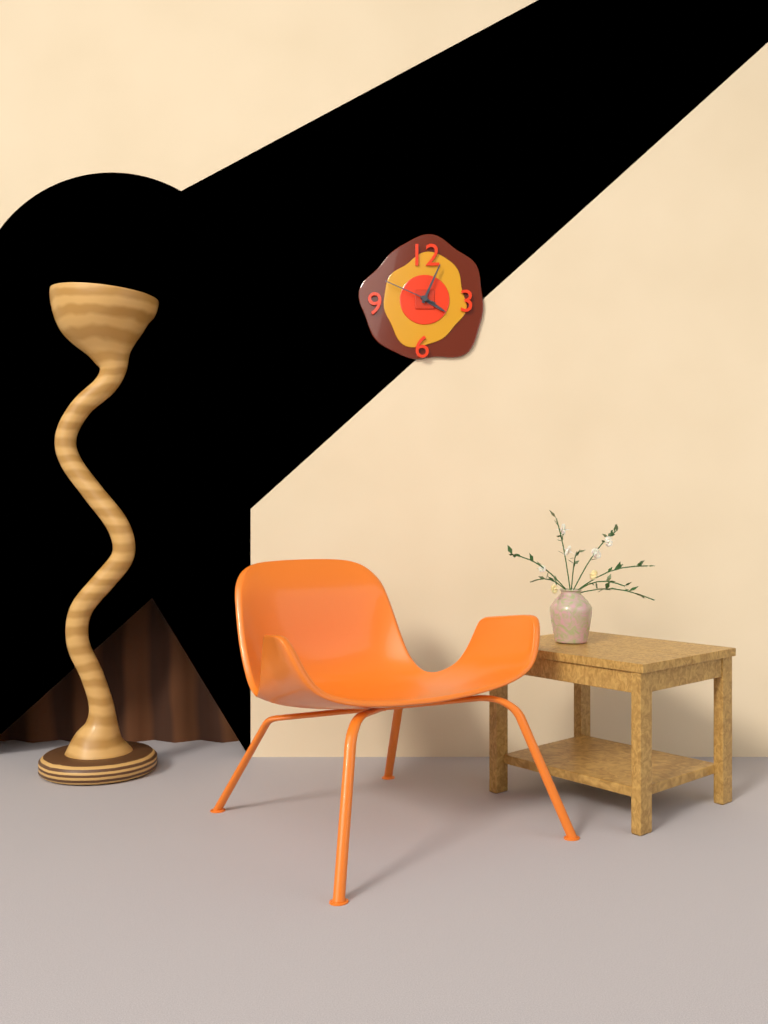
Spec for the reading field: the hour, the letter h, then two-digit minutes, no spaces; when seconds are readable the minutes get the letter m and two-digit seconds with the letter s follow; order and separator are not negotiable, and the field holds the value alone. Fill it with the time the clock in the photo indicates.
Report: 4h04m49s
